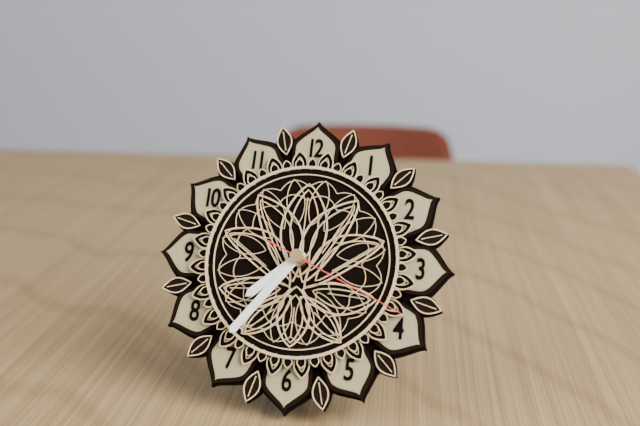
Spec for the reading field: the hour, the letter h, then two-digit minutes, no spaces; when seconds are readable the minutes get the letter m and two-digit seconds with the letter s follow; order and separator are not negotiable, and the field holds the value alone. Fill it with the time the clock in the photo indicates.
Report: 7h36m19s
